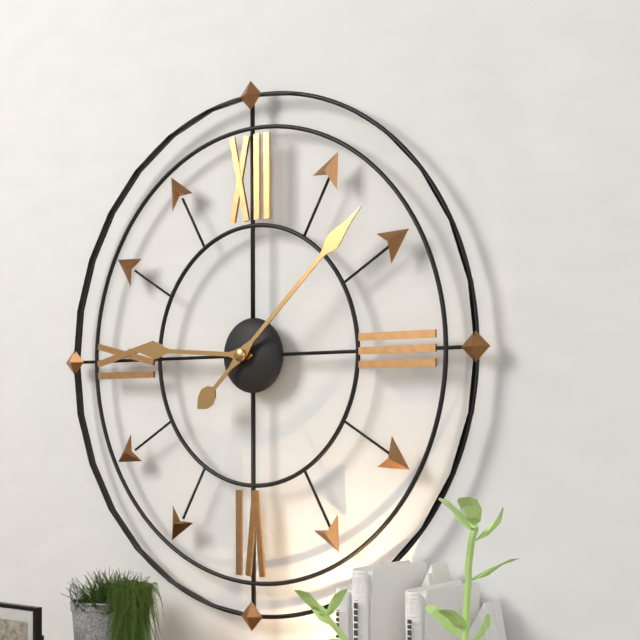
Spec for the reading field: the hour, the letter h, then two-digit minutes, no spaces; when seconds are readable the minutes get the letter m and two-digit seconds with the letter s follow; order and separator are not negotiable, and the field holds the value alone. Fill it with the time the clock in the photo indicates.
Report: 9h08
